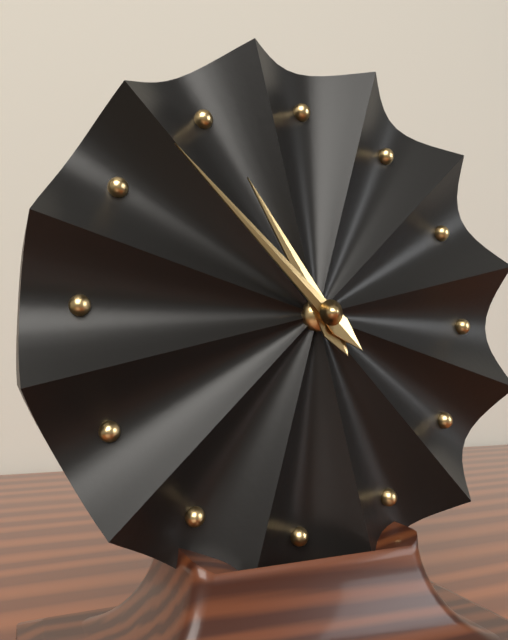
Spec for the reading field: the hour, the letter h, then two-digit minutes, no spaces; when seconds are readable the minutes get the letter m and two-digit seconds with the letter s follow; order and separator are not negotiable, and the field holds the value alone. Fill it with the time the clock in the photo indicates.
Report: 10h52
